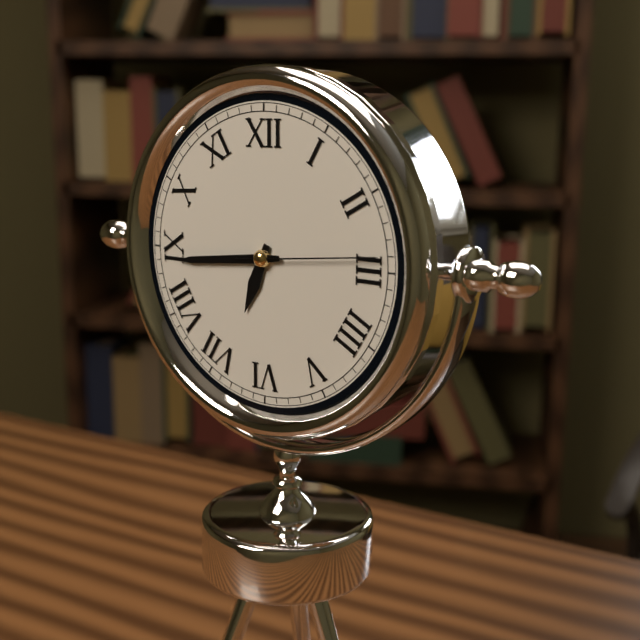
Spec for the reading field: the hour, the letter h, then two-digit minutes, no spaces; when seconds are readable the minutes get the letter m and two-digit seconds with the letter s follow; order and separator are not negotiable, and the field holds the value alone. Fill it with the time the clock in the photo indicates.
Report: 6h44m14s
